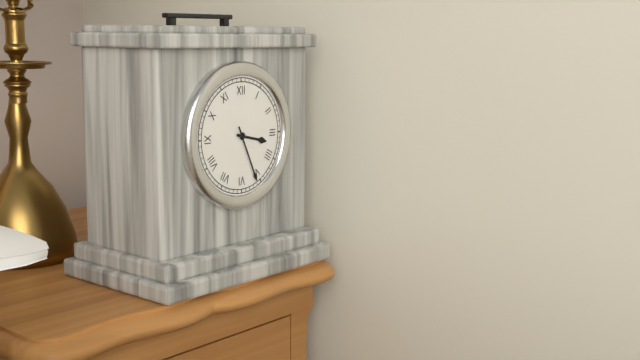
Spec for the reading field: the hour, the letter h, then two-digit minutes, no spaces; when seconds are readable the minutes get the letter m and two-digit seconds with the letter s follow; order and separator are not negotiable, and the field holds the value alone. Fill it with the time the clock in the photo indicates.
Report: 3h26
